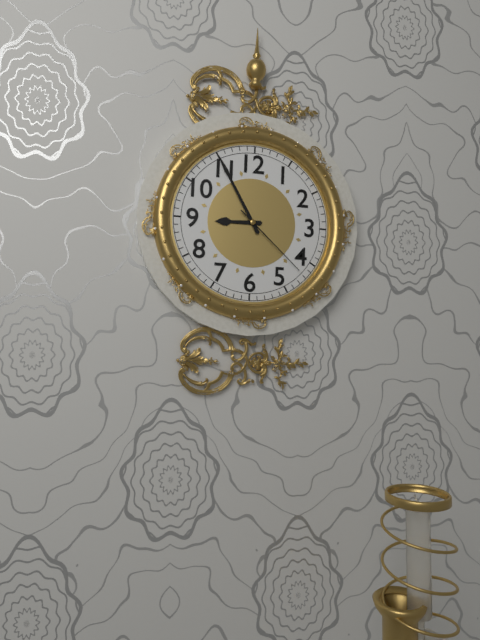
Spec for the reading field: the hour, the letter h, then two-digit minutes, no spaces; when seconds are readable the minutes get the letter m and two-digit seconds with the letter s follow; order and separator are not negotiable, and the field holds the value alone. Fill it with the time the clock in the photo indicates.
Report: 8h55m22s
